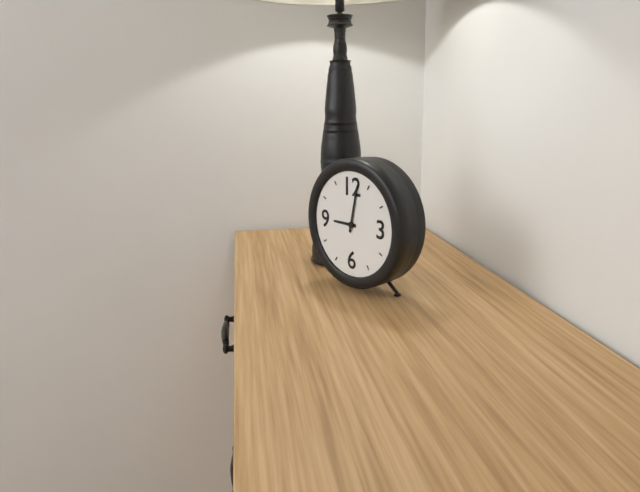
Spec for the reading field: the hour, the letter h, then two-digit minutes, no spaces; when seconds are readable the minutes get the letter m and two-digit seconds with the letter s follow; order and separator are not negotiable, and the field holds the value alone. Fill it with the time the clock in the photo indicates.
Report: 9h02
